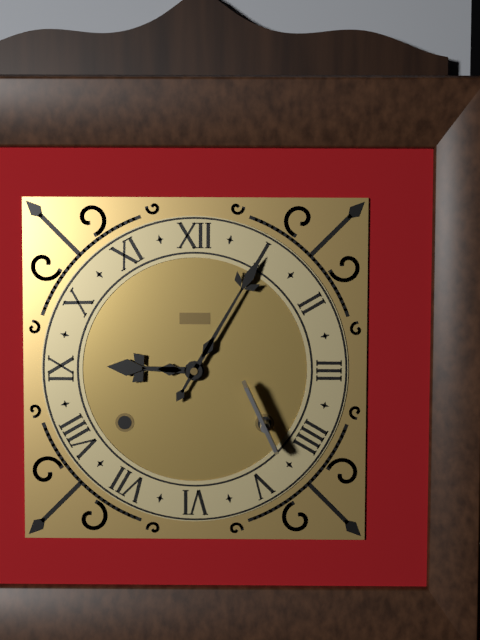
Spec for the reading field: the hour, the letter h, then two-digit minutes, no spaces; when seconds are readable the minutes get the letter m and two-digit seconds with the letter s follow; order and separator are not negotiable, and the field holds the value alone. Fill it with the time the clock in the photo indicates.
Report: 9h05
